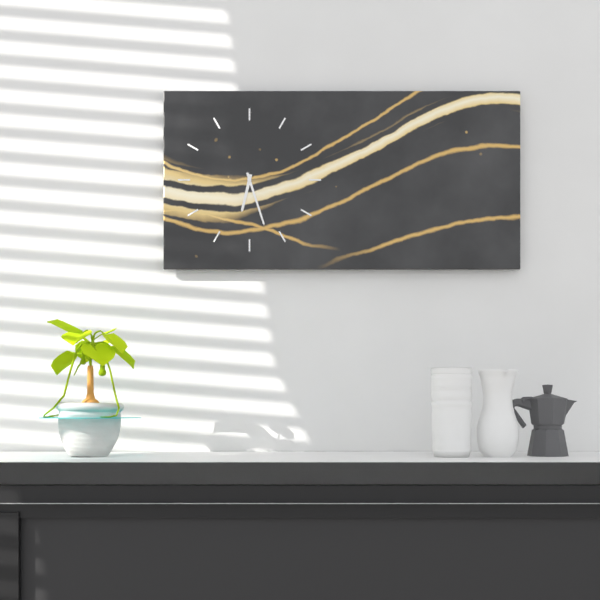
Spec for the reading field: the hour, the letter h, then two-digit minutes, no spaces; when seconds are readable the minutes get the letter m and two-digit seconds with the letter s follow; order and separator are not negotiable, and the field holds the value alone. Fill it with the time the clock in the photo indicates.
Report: 6h27
